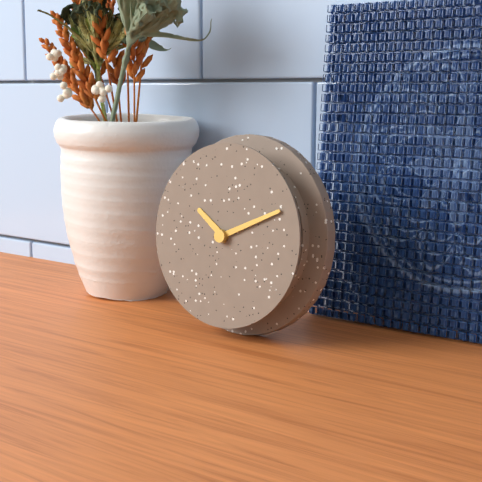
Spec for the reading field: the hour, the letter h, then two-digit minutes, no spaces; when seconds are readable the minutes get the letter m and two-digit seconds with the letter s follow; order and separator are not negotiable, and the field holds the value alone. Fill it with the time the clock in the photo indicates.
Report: 10h11
